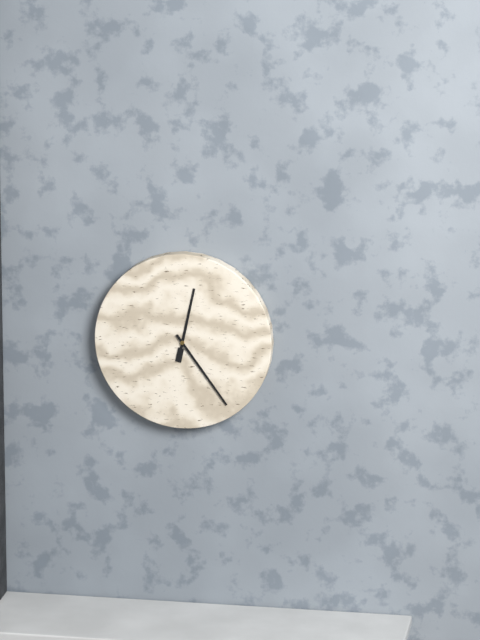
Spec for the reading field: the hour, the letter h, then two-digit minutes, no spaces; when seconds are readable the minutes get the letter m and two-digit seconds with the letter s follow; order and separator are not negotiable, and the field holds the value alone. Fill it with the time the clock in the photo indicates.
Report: 12h24
